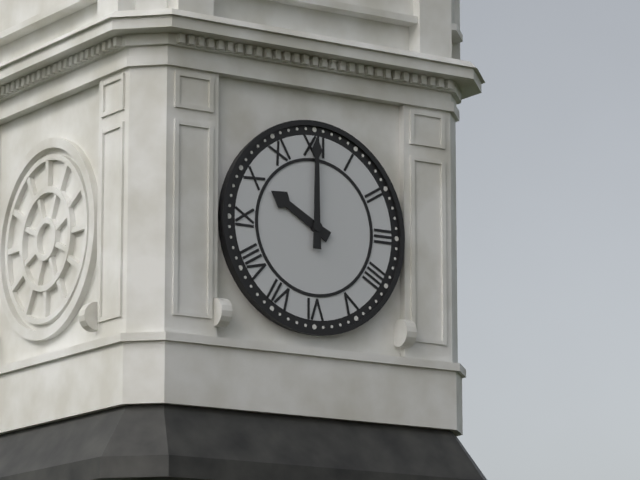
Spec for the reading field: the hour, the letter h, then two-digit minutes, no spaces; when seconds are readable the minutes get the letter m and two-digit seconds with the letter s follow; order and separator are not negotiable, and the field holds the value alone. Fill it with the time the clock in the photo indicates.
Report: 10h00
